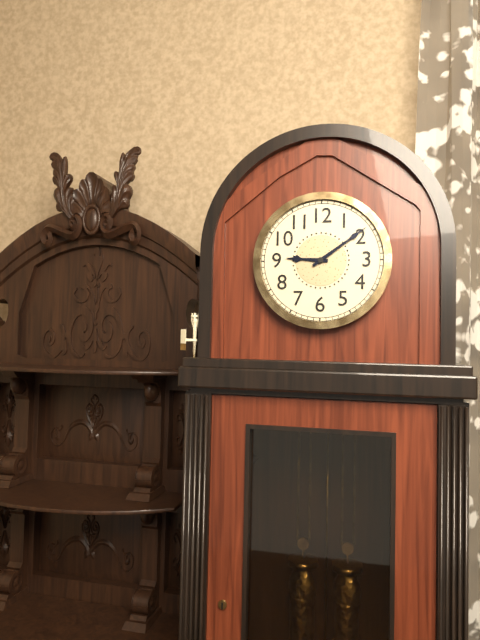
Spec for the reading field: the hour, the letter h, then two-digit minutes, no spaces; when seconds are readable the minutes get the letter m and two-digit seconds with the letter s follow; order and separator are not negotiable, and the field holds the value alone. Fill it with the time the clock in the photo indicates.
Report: 9h09
